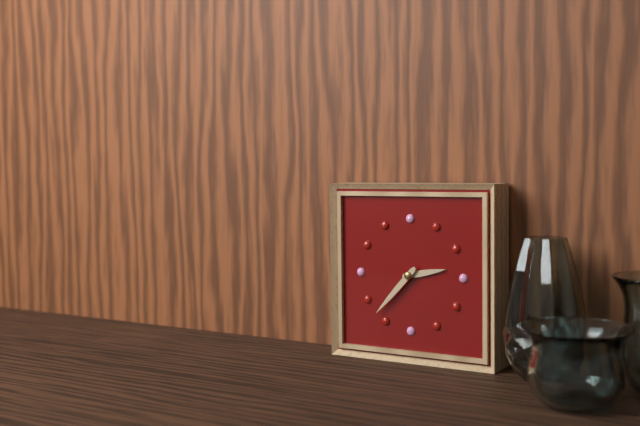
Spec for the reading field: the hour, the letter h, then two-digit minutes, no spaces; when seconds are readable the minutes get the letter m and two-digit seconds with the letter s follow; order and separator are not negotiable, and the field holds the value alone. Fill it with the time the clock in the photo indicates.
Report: 2h37
